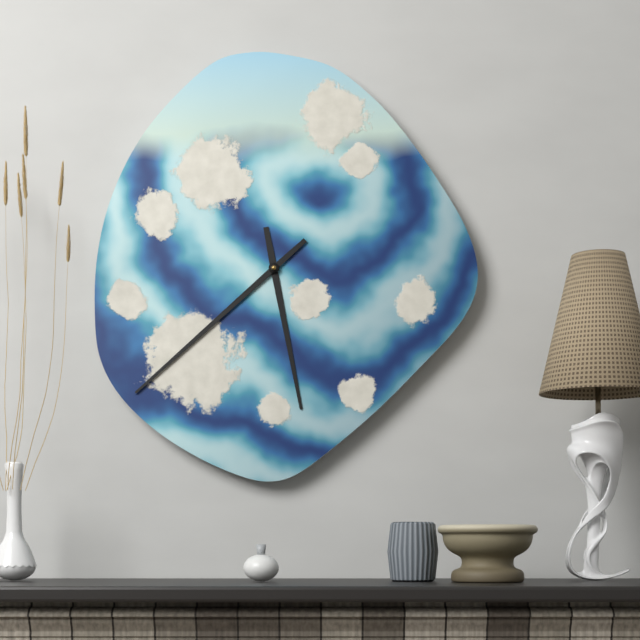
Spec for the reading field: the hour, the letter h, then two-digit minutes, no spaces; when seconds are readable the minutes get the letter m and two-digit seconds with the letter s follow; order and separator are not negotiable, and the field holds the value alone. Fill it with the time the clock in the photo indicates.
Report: 5h38
